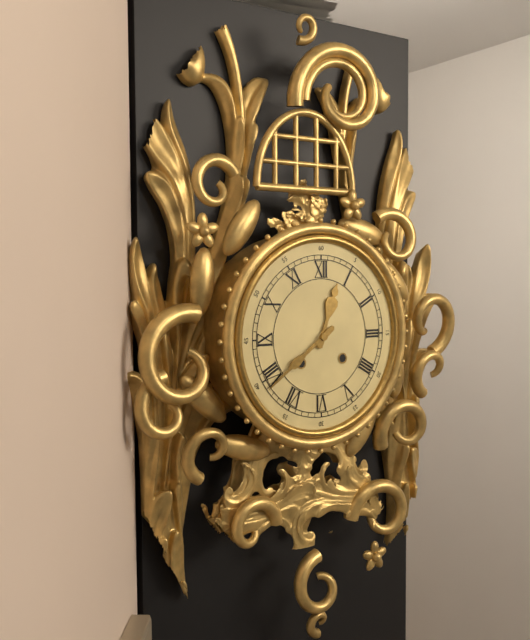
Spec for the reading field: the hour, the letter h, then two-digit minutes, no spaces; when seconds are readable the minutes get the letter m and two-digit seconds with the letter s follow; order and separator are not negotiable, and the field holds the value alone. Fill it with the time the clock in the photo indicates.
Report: 12h39
